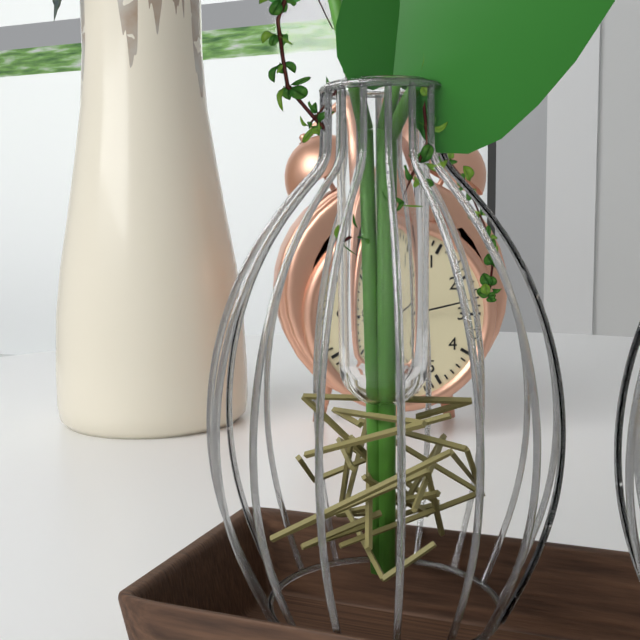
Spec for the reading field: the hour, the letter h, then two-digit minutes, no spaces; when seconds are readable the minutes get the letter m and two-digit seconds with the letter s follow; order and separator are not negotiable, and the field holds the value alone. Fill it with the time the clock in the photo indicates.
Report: 5h00m13s
